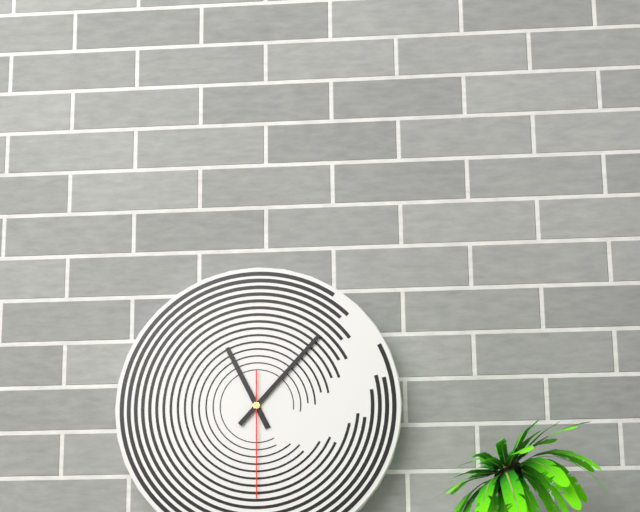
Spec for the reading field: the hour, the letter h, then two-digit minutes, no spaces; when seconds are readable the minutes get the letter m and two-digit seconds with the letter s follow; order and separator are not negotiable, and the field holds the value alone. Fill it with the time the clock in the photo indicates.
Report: 11h07m30s
